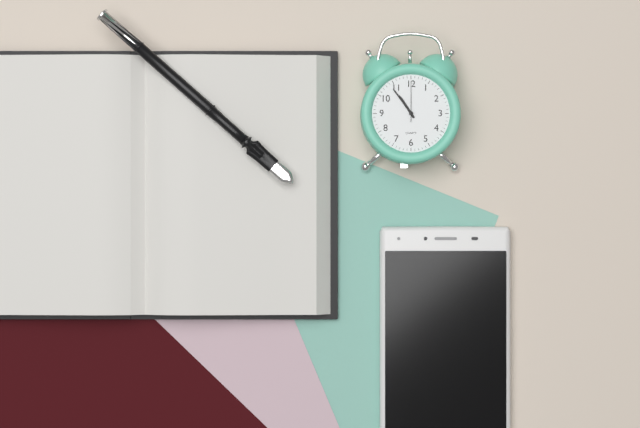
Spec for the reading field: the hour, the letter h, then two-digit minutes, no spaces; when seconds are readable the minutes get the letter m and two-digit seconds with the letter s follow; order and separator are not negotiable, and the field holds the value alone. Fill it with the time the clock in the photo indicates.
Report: 10h54
